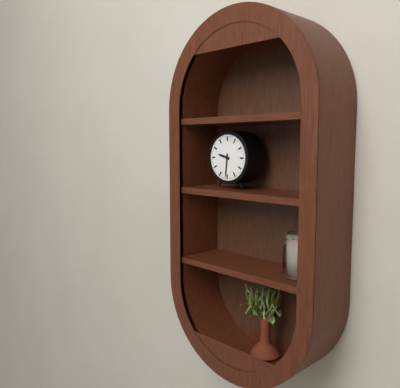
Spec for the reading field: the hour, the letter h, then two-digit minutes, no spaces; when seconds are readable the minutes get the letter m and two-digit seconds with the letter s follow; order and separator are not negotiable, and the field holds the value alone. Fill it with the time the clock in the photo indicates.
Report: 9h31
